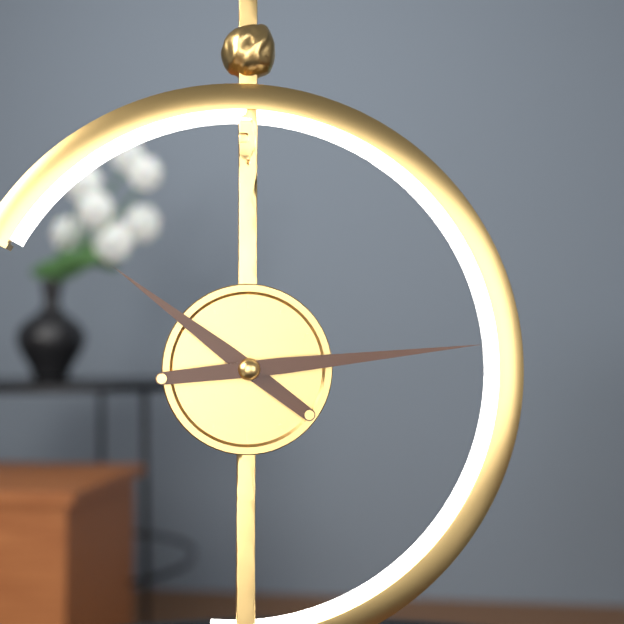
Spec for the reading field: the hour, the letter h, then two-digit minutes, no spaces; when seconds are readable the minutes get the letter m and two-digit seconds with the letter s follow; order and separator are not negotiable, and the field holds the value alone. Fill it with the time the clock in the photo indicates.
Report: 10h14
